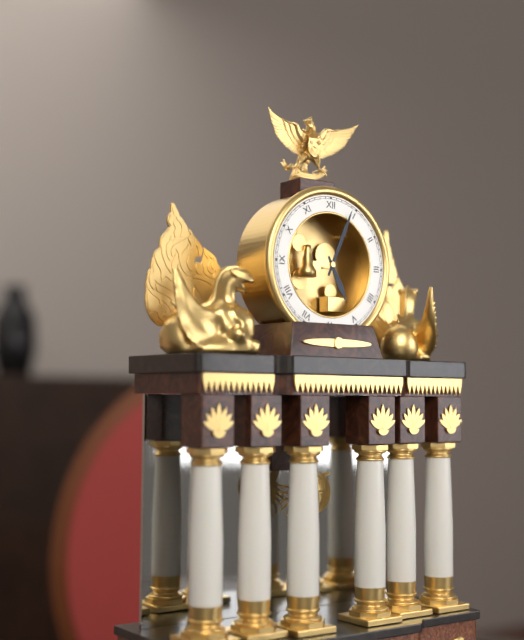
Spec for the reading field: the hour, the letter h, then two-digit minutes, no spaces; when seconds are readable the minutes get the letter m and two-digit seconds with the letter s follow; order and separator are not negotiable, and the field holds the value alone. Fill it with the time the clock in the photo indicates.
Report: 5h04
